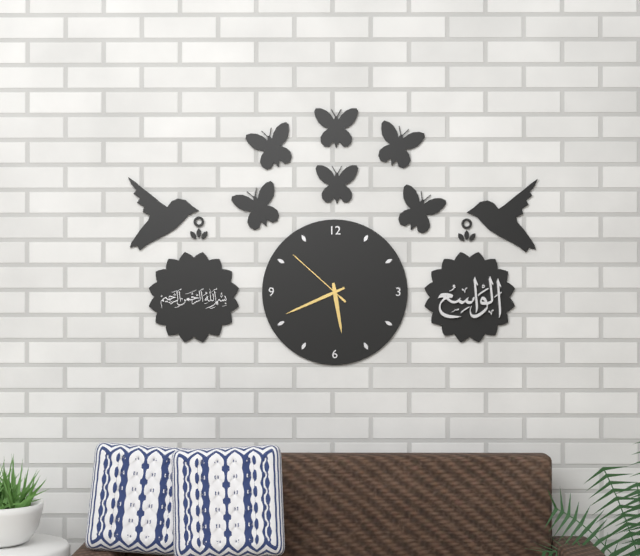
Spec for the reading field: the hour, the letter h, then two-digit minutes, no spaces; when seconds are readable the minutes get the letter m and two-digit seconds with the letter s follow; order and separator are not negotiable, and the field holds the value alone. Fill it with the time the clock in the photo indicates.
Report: 5h41m52s
